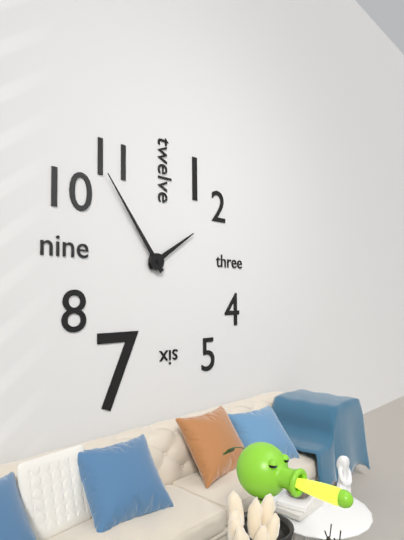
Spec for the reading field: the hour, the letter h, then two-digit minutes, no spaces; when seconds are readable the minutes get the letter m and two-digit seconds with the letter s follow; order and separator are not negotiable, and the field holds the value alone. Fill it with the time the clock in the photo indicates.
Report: 1h54
